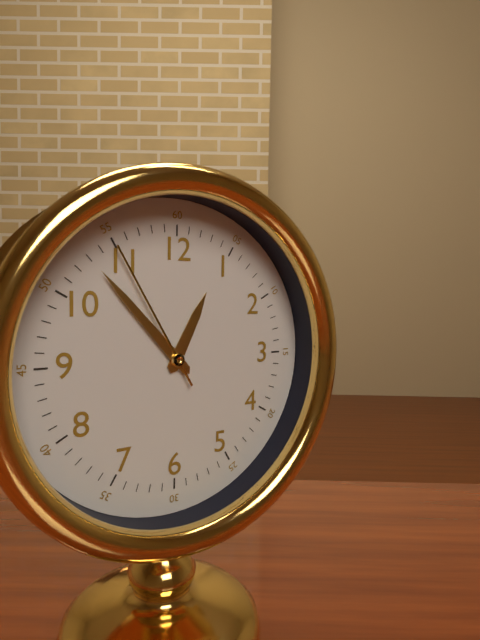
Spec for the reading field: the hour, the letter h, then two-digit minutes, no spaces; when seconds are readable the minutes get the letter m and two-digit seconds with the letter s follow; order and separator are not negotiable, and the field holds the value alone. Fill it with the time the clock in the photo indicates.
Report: 12h53m55s
